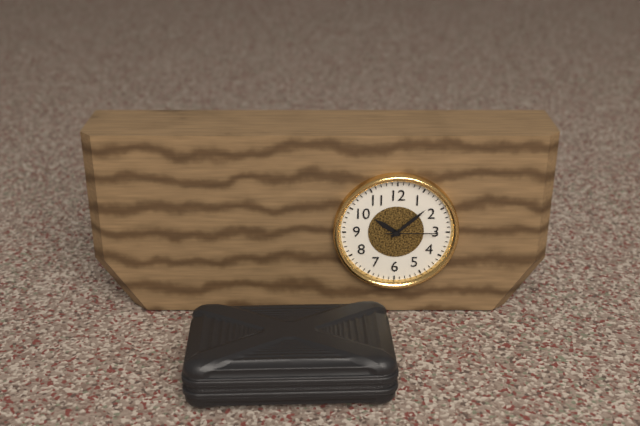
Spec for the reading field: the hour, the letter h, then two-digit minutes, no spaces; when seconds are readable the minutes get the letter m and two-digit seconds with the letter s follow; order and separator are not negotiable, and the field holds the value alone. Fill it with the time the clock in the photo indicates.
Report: 10h08m15s
